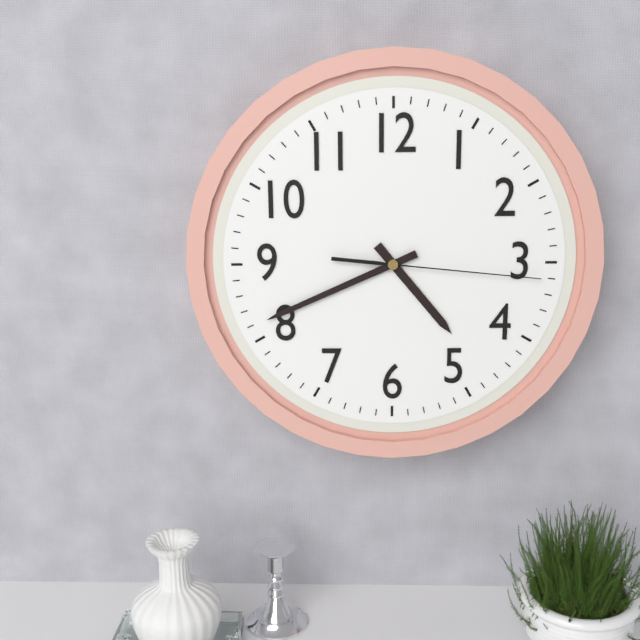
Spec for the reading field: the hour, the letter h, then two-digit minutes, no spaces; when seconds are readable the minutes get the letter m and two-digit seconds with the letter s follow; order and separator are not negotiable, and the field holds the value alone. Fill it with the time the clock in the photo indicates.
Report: 4h41m16s
